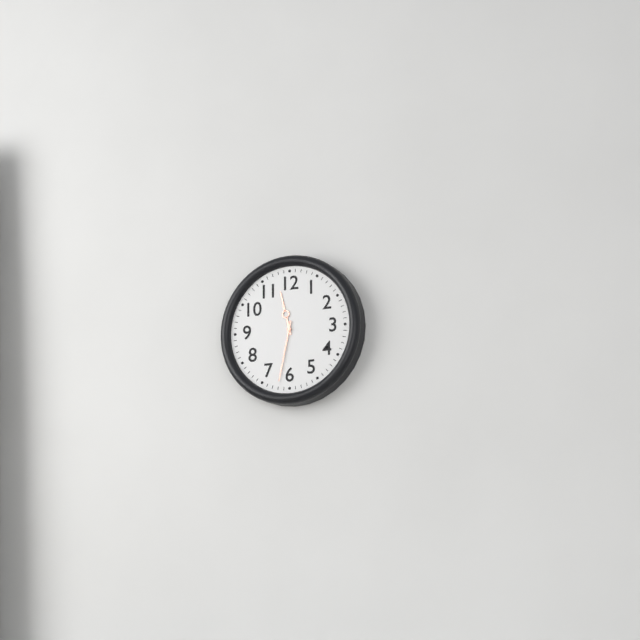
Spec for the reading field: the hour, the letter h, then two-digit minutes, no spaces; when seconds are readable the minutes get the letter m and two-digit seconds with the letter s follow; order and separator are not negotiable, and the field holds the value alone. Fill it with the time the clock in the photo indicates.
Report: 11h32
